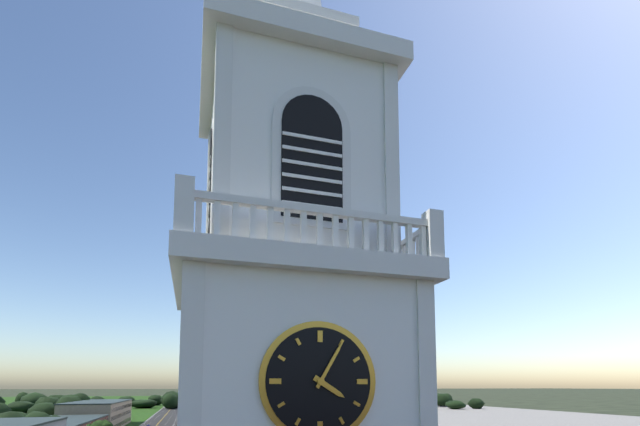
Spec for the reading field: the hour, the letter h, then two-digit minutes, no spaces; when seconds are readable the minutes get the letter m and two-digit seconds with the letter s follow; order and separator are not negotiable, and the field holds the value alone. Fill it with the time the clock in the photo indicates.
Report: 4h05
